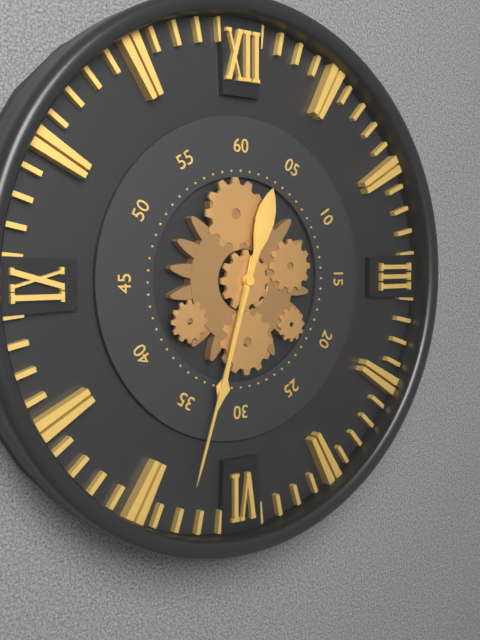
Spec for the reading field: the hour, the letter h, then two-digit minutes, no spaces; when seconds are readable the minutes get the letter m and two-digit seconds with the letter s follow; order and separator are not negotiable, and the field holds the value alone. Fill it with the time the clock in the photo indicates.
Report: 6h33
